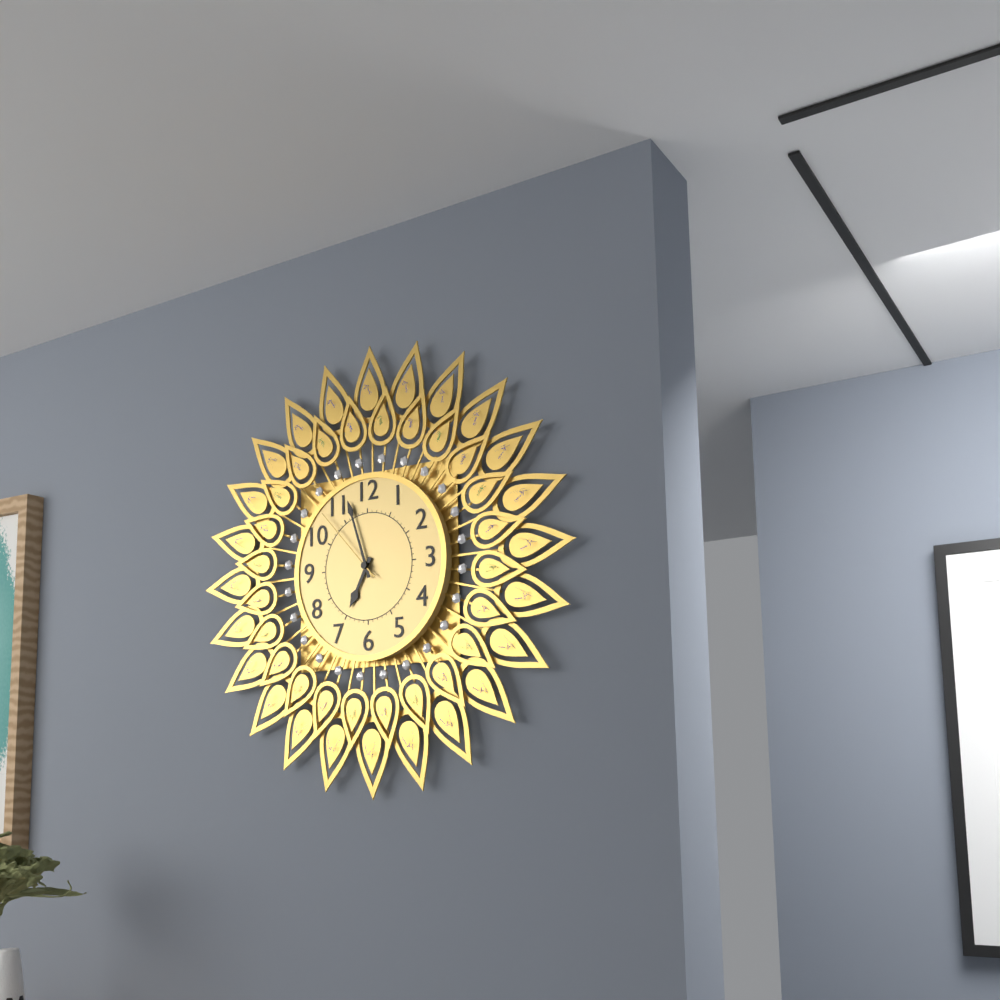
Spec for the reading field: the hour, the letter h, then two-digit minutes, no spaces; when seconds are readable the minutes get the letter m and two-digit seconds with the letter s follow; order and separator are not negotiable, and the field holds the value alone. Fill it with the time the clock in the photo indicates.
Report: 6h57m53s
